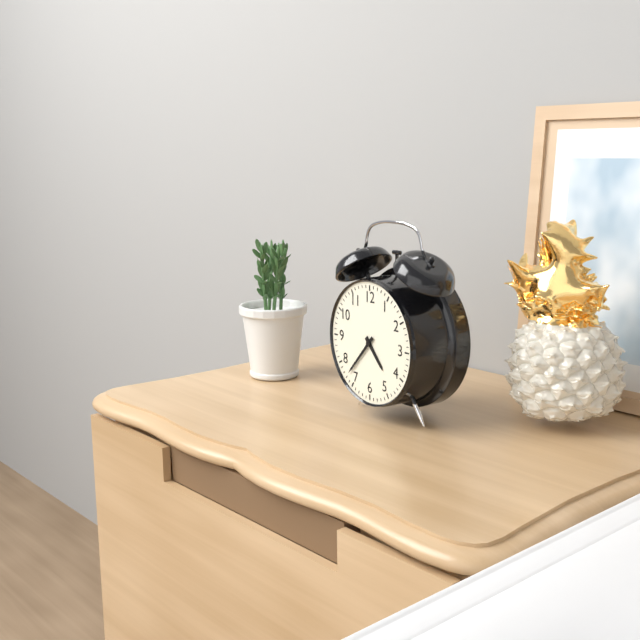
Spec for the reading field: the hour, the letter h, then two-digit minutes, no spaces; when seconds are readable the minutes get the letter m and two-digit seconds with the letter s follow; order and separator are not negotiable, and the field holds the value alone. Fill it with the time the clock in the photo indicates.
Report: 4h37
